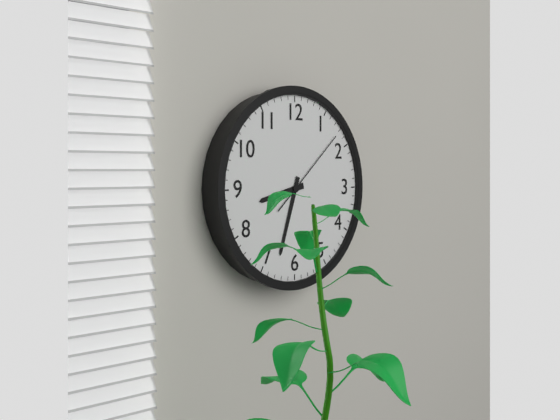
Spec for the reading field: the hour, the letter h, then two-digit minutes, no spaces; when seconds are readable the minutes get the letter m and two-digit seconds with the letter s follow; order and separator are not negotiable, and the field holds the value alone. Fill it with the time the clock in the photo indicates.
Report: 8h33m08s
